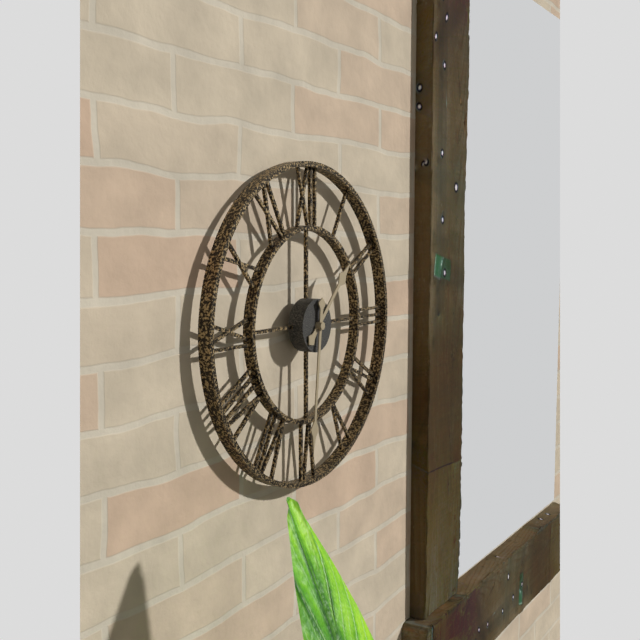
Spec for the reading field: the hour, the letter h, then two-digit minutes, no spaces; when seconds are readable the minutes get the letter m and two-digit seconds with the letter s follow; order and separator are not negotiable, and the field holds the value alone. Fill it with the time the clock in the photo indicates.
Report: 1h31
